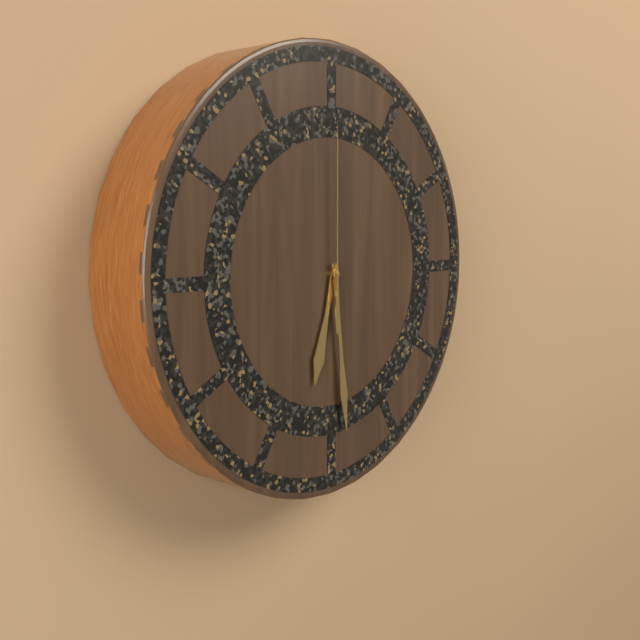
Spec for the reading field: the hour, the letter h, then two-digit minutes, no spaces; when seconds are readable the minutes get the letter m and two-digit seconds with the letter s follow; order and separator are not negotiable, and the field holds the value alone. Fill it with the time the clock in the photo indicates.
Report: 6h29m00s
